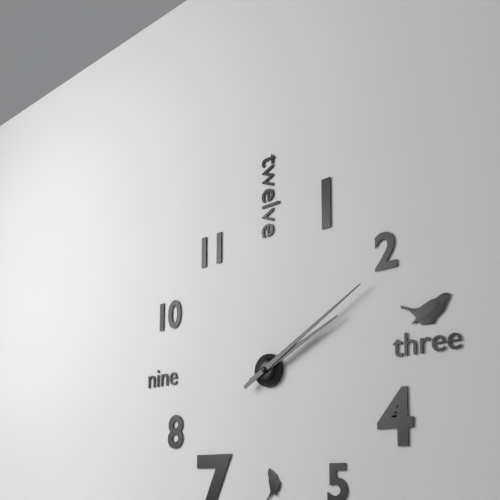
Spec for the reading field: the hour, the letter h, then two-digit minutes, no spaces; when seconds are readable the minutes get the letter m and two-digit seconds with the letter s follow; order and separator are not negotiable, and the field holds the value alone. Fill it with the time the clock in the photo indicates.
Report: 2h10
